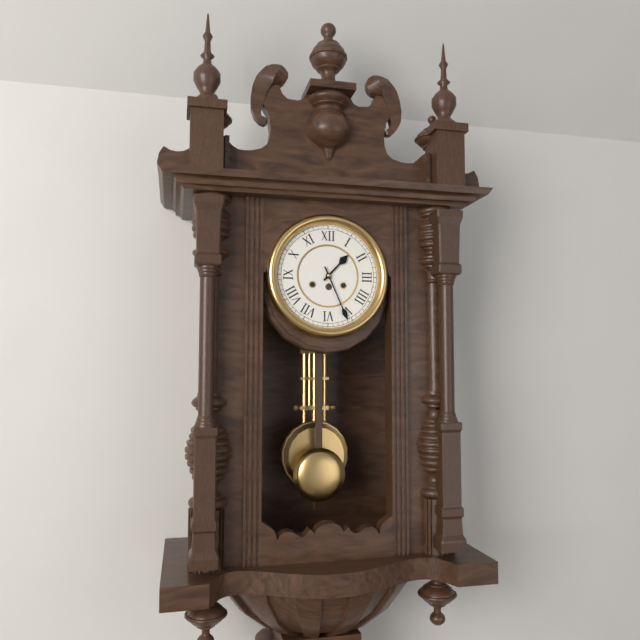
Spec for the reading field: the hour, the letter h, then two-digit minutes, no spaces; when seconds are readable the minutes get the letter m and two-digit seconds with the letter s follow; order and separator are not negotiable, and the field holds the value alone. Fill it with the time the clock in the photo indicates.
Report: 1h26
